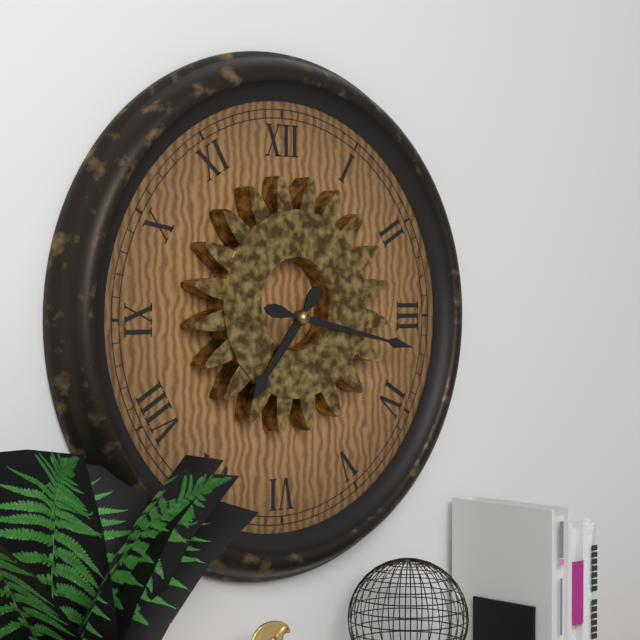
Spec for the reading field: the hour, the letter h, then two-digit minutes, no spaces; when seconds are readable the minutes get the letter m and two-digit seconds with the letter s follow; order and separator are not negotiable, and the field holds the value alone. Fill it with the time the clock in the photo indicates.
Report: 7h17
